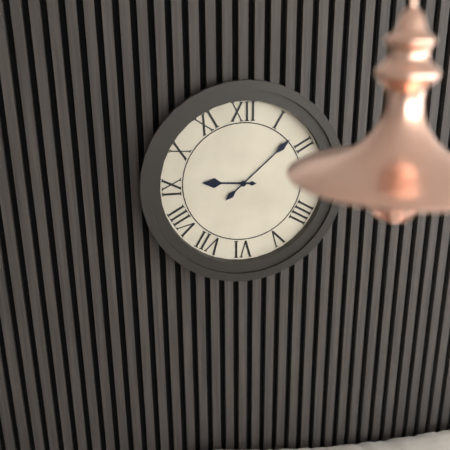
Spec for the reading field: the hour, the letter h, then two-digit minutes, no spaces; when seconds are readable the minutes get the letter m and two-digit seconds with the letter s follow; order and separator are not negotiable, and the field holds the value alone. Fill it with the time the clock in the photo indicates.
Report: 9h08
